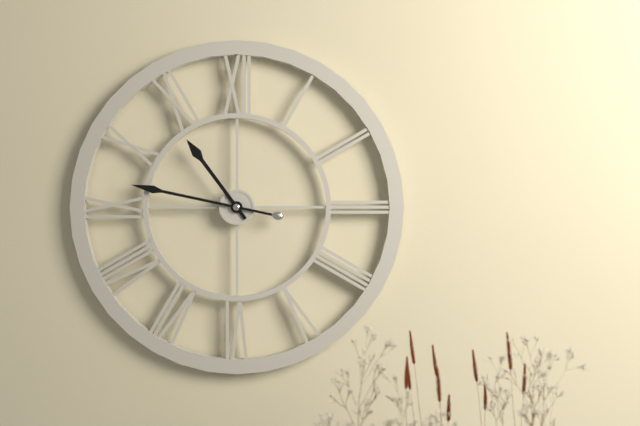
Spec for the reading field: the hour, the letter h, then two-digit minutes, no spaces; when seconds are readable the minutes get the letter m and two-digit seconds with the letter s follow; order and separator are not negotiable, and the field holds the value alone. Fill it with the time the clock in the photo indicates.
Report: 10h47
